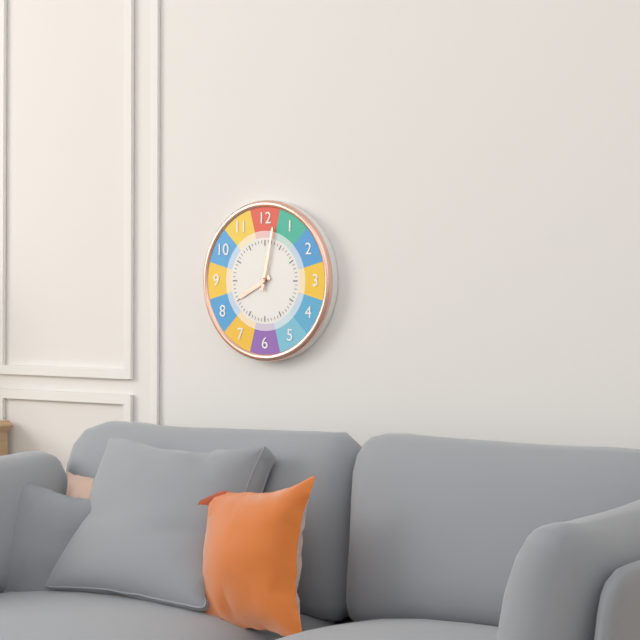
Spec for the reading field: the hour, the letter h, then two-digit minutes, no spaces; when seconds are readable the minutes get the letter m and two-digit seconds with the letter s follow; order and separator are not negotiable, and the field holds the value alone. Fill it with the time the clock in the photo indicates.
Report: 8h02
